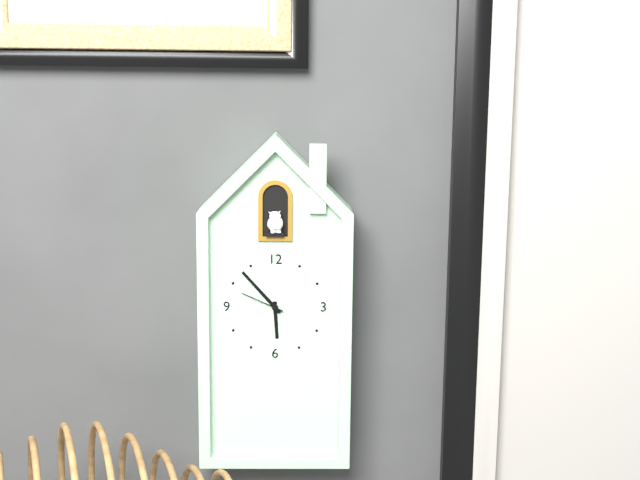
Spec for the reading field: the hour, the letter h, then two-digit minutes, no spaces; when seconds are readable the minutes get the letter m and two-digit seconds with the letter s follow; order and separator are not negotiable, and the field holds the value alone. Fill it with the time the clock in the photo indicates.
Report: 5h53
